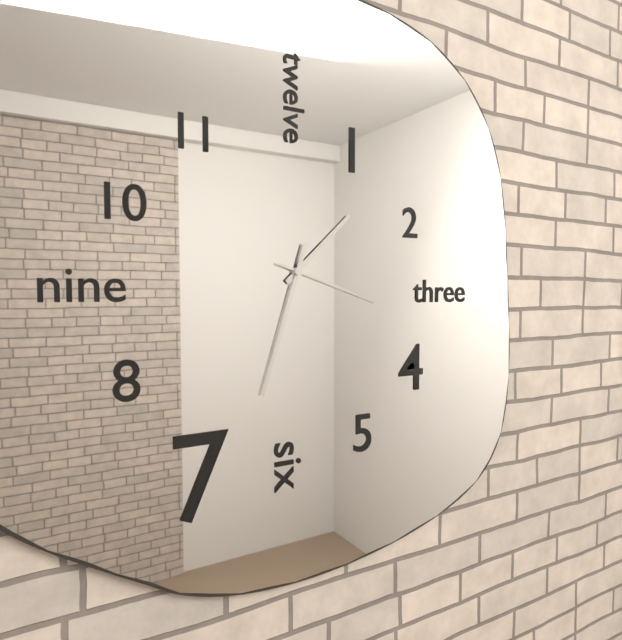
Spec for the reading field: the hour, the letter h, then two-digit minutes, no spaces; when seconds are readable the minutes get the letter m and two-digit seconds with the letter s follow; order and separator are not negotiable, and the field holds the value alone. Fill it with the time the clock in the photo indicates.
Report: 1h33m18s
